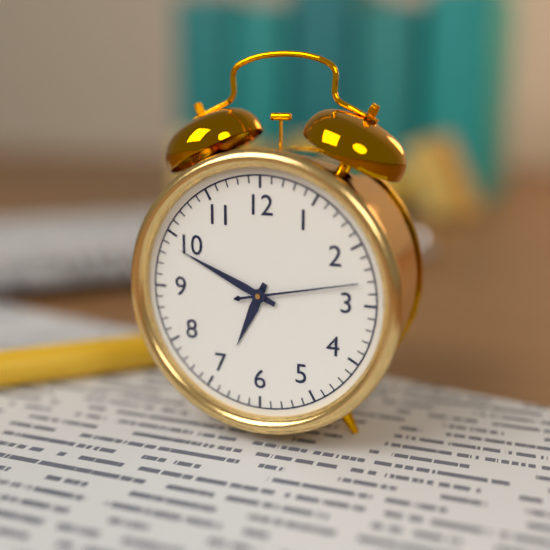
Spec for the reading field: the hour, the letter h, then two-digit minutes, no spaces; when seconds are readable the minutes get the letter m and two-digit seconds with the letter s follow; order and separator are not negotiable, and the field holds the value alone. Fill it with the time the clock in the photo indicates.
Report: 6h49m13s
